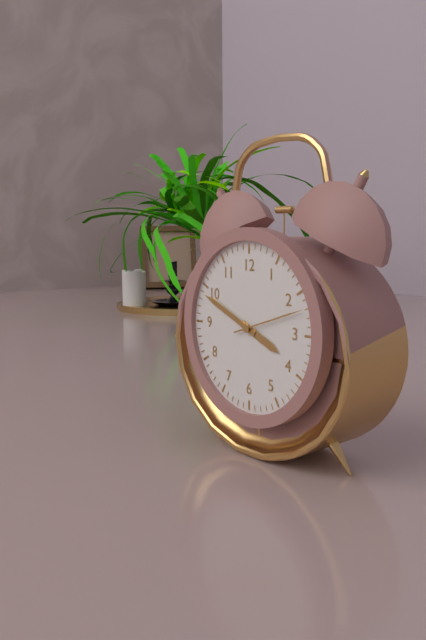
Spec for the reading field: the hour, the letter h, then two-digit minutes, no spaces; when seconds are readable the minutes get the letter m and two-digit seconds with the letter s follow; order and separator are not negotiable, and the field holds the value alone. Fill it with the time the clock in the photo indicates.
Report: 3h49m12s
